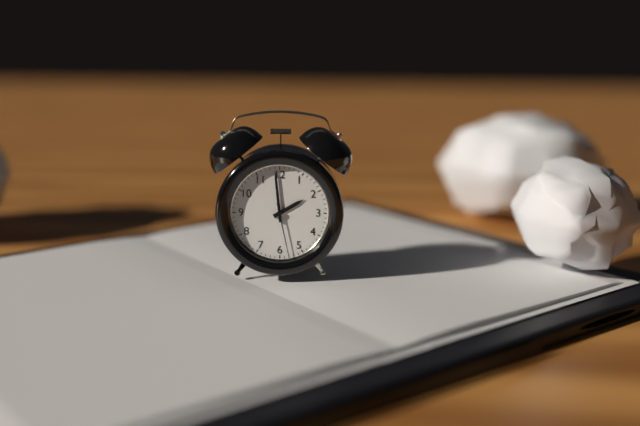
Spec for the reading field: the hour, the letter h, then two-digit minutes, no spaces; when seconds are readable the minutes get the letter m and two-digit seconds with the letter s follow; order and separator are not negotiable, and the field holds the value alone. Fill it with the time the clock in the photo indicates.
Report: 1h59m28s
